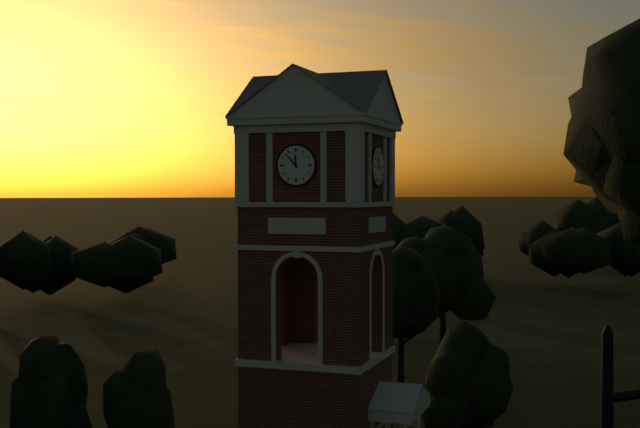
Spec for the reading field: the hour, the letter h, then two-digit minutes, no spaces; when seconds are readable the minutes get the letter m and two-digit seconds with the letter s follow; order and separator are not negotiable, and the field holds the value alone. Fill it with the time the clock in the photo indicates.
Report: 11h53
